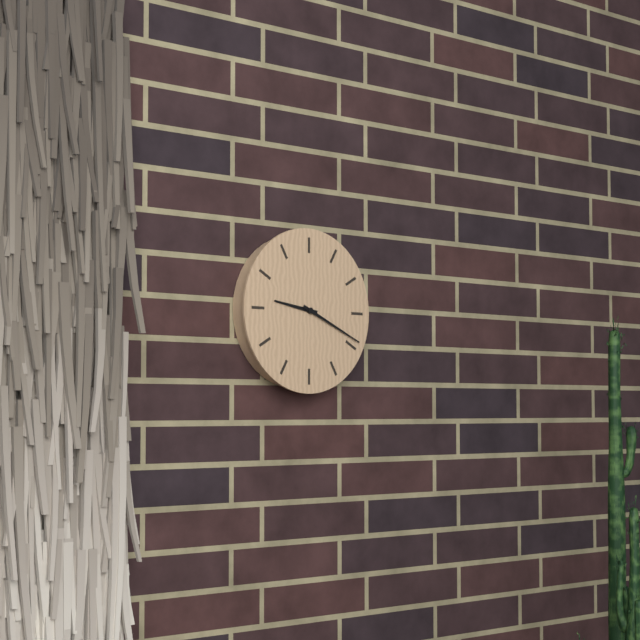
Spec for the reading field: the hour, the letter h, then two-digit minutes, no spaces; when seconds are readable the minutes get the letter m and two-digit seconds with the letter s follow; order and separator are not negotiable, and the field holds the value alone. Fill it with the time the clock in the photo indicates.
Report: 9h19
